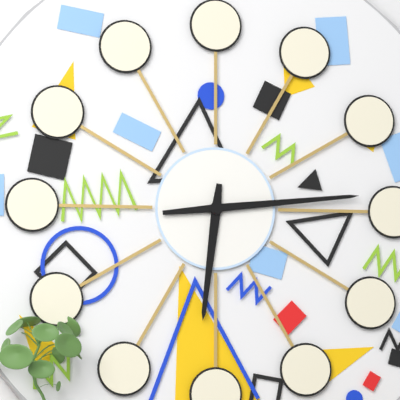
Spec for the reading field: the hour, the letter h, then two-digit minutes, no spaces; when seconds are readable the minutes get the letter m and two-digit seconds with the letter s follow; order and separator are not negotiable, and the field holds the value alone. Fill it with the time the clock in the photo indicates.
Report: 6h14
